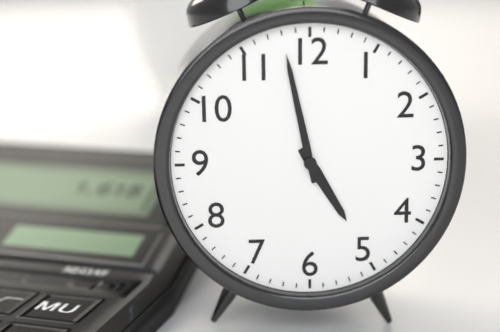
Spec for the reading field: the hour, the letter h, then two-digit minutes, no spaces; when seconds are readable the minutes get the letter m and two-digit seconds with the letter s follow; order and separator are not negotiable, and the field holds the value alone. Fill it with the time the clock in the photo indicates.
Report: 4h58
